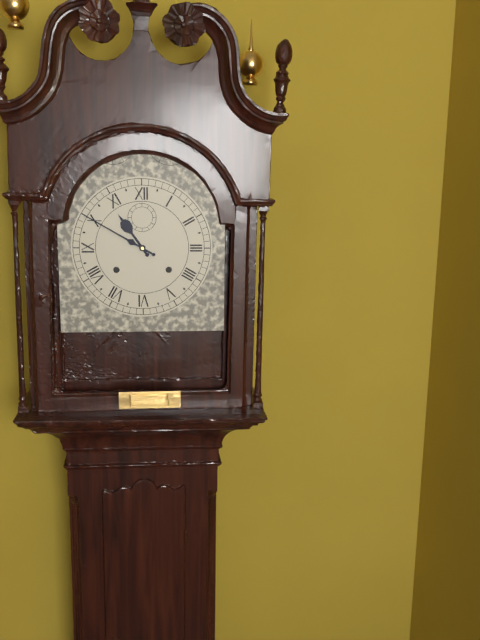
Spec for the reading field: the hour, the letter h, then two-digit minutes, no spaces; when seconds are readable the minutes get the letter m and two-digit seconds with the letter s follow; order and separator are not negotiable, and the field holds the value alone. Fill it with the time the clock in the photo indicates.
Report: 10h50
